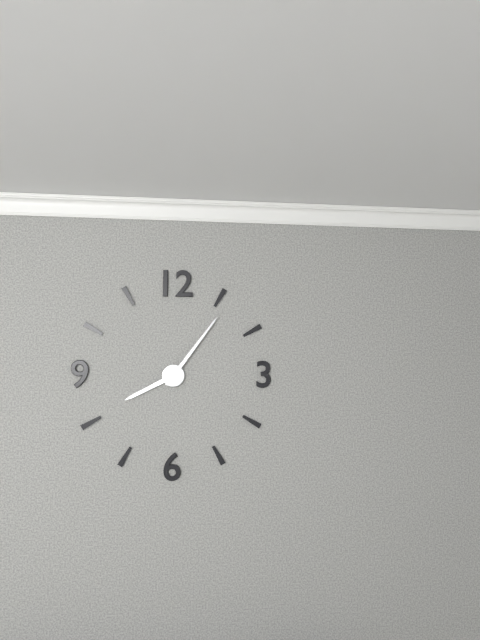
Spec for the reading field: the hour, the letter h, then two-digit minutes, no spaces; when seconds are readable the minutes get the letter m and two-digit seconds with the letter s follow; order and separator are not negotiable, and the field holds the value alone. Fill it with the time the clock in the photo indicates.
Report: 8h06
